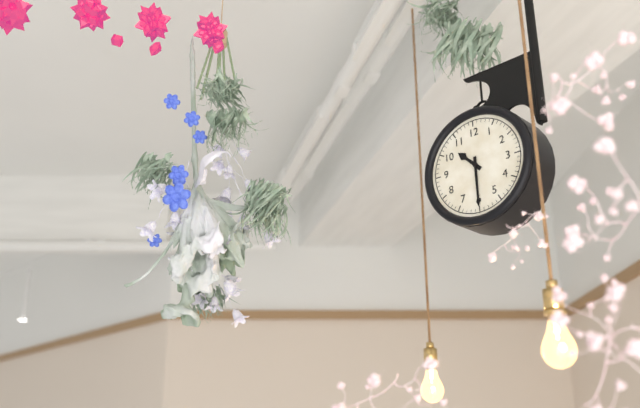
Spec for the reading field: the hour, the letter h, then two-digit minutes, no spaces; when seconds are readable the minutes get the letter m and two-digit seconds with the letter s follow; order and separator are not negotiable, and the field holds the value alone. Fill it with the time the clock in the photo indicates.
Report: 10h30
